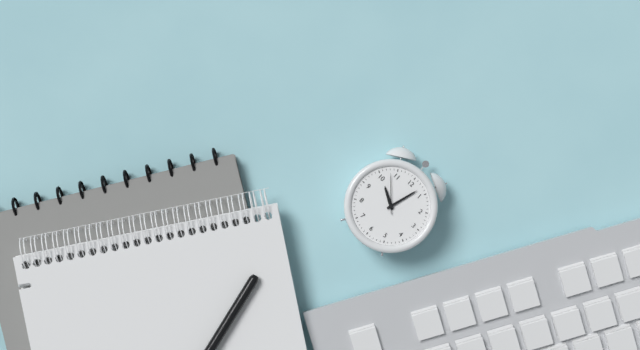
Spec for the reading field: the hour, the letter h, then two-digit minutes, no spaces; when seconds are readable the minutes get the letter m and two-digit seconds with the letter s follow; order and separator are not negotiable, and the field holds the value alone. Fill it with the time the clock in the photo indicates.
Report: 10h03
